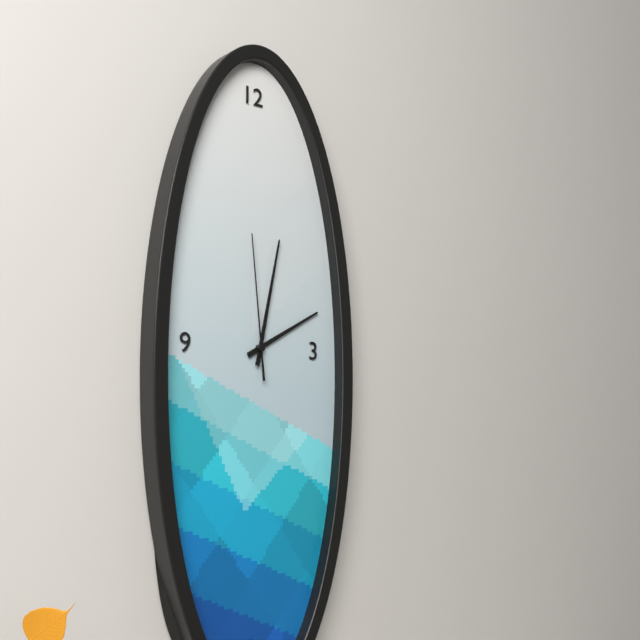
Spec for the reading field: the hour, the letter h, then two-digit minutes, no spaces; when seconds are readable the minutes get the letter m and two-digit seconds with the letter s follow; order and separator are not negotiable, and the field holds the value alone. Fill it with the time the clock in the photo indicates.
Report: 2h02m59s
